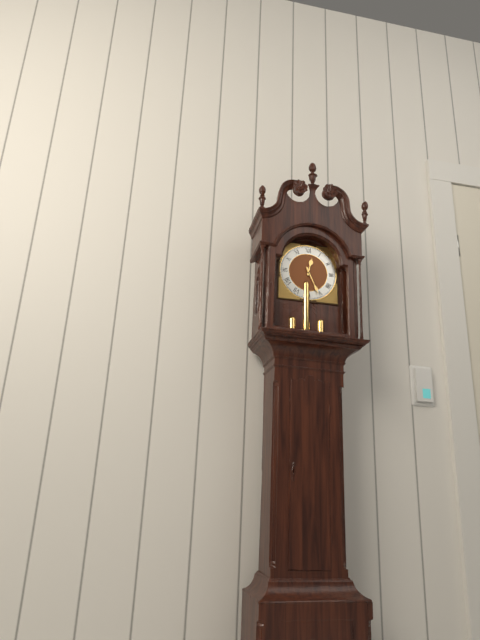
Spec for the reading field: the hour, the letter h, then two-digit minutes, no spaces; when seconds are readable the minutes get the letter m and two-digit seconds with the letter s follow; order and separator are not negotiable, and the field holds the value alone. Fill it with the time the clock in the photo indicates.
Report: 12h26
